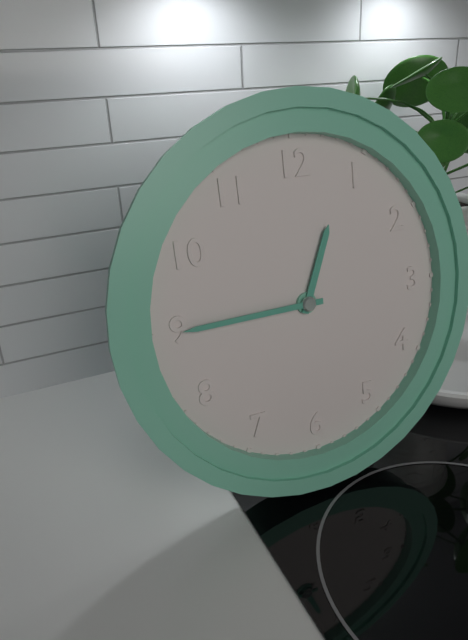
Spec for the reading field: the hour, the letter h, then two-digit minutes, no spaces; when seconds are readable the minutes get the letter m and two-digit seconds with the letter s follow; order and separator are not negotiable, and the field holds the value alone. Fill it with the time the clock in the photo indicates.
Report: 12h45
